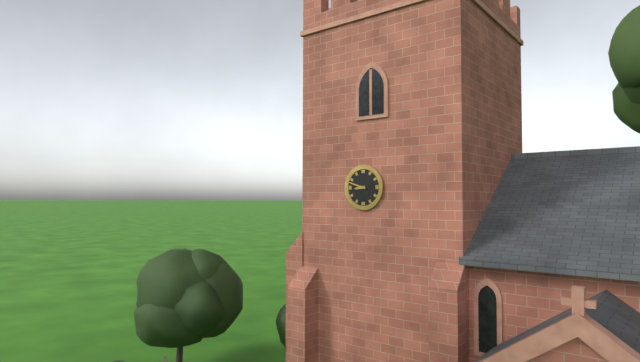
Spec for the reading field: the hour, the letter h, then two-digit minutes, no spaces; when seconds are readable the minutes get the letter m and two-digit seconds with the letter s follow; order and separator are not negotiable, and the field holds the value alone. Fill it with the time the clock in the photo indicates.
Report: 8h48
